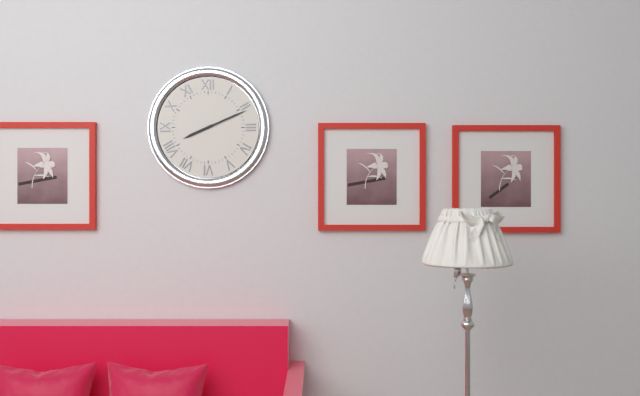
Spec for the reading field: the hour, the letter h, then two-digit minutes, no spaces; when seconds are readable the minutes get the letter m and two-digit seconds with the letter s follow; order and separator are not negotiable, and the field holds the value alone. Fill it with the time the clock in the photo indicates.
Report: 8h11
